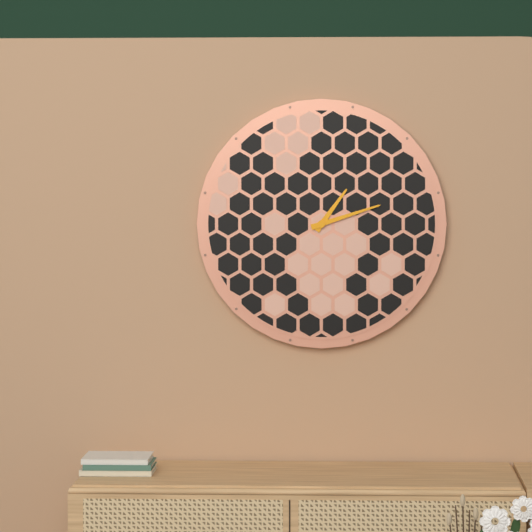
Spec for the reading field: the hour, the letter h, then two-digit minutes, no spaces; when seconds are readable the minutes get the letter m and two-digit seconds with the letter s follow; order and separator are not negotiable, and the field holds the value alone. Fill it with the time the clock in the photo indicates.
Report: 1h12
